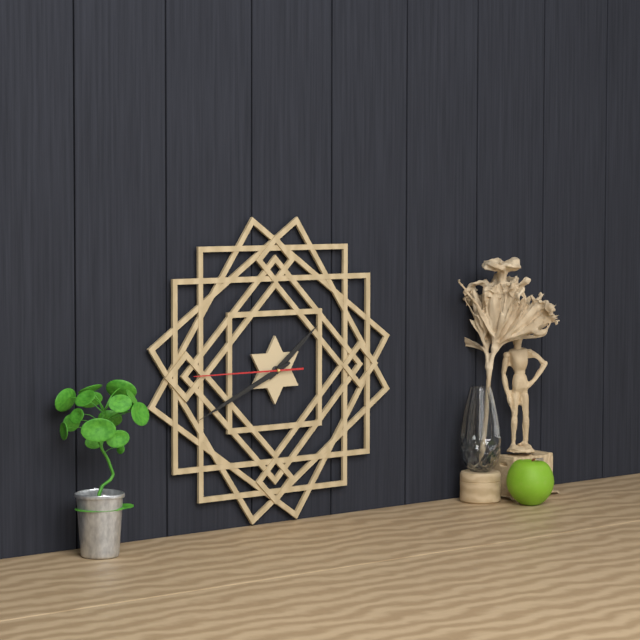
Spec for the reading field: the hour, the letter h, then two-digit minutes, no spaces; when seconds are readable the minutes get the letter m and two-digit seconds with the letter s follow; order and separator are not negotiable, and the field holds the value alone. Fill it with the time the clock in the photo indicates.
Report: 1h41m45s
